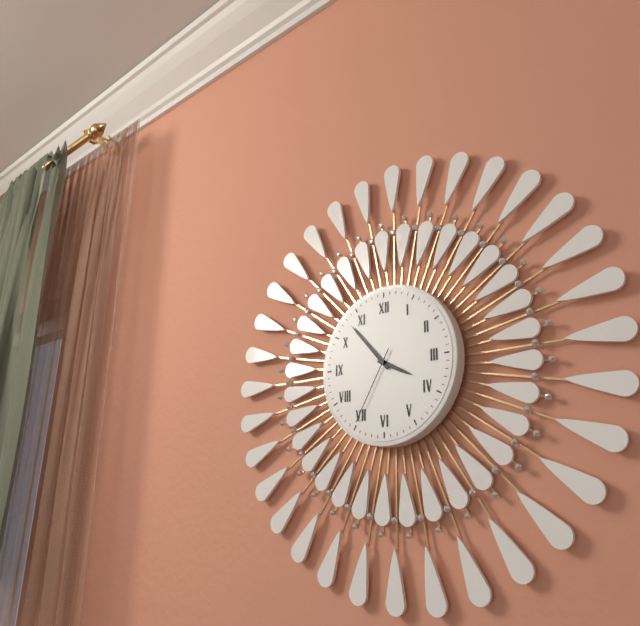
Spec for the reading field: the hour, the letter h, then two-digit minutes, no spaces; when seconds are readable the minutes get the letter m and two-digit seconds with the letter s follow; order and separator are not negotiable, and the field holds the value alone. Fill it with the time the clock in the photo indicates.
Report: 3h53m35s
